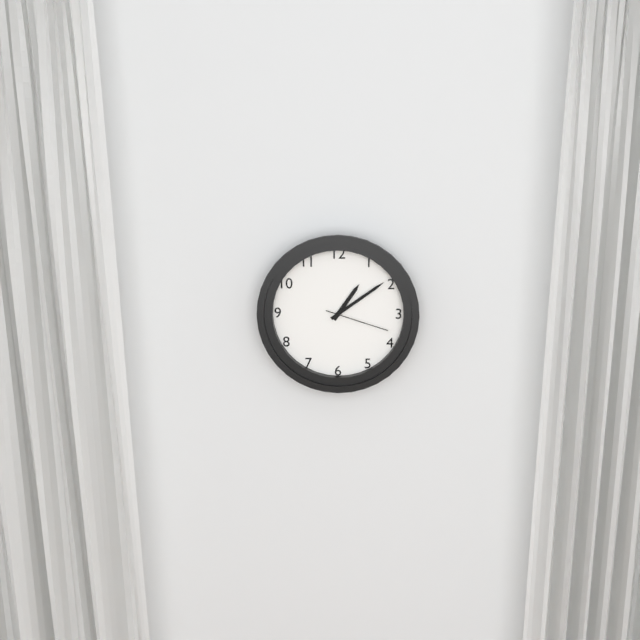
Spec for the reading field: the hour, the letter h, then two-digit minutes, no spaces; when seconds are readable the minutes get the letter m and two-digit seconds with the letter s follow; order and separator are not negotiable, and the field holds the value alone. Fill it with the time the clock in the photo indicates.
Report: 1h09m18s
